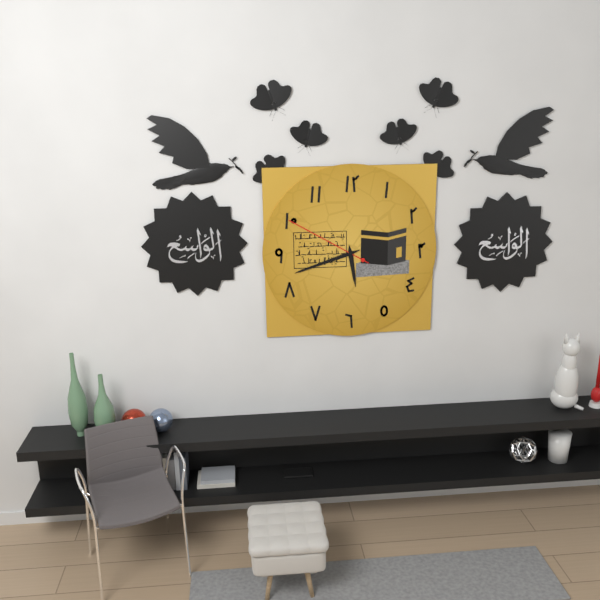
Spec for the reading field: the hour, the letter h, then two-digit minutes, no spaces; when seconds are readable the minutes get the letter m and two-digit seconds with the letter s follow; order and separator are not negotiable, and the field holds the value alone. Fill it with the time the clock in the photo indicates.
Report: 5h42m50s
